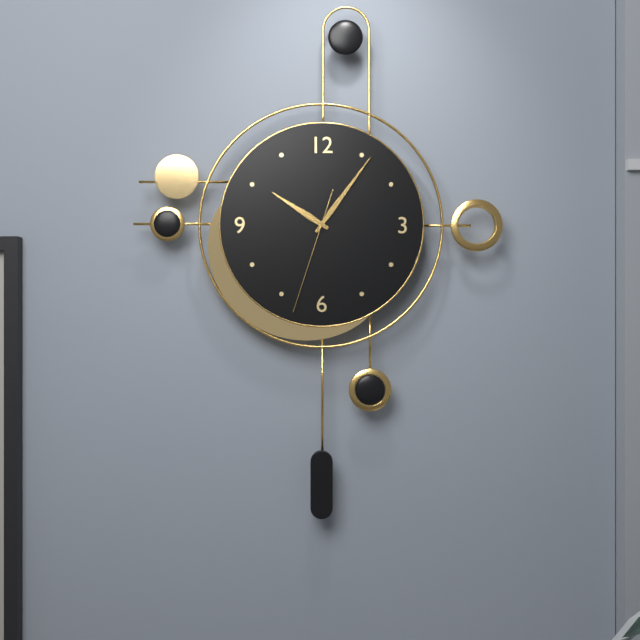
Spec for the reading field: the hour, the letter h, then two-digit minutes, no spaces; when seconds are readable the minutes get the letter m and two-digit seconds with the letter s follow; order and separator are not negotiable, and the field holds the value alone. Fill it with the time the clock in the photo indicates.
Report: 10h06m33s
